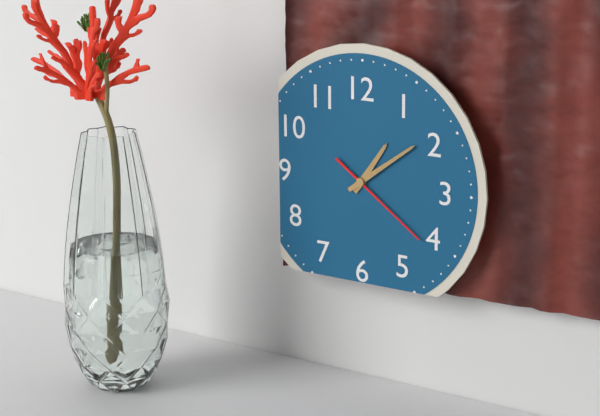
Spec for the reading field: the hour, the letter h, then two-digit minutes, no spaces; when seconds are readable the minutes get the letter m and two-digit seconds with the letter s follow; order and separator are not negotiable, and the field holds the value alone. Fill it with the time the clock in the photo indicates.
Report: 1h09m21s
